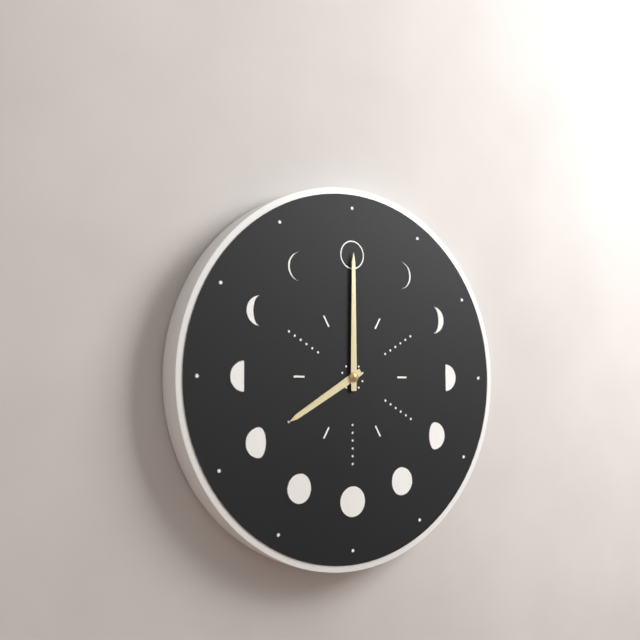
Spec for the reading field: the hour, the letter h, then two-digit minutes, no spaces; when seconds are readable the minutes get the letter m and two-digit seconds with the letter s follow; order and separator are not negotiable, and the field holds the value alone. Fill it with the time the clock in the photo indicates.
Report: 8h00
